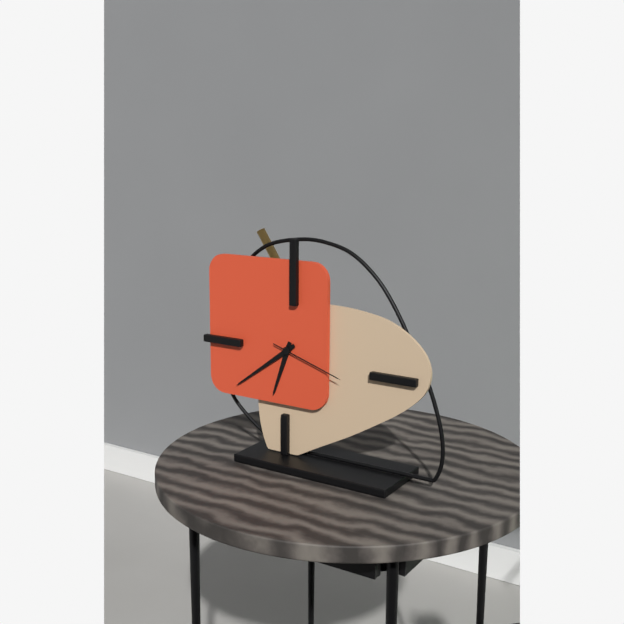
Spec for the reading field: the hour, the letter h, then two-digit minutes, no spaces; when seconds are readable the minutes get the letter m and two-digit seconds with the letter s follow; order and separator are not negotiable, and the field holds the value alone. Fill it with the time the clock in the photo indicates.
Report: 6h39m18s
